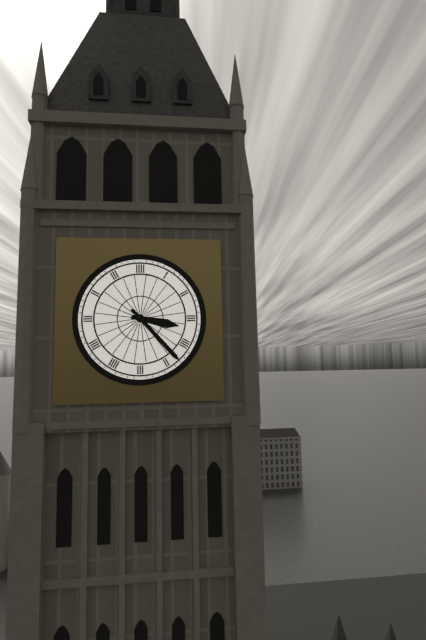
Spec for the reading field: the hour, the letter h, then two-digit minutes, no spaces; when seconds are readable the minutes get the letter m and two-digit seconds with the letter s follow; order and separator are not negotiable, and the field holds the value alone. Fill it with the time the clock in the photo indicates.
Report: 3h23
